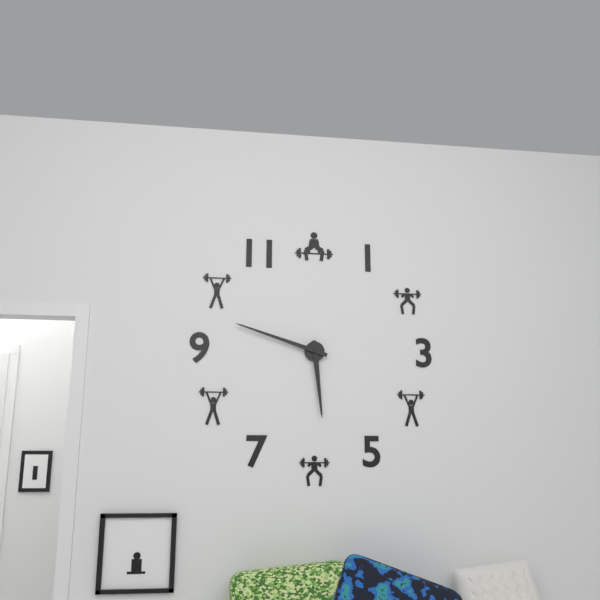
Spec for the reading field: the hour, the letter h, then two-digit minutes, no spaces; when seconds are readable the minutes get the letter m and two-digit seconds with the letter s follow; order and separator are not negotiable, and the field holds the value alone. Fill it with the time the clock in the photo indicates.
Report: 5h48
